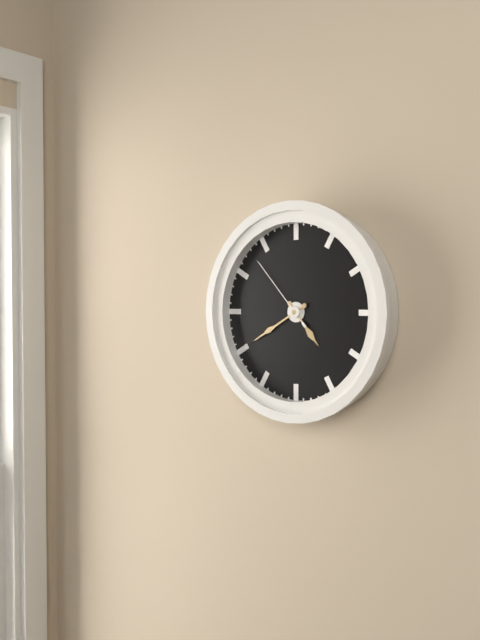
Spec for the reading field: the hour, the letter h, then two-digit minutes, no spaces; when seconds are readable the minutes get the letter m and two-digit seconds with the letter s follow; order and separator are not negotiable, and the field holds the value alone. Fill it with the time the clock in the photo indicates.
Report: 4h40m53s
